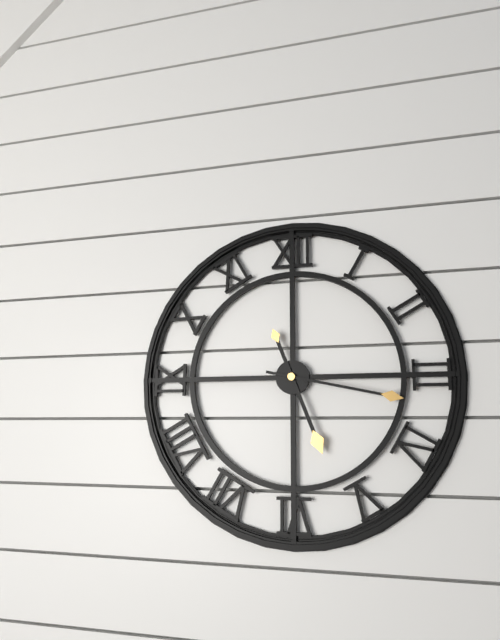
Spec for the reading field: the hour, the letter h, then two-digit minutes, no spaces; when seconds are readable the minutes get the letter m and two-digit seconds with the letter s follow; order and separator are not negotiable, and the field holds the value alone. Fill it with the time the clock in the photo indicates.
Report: 5h17
